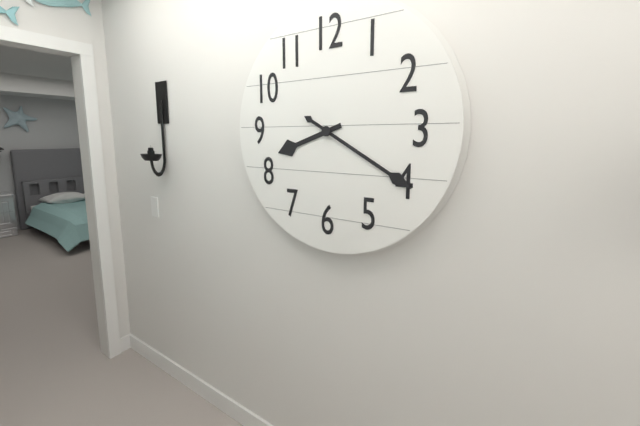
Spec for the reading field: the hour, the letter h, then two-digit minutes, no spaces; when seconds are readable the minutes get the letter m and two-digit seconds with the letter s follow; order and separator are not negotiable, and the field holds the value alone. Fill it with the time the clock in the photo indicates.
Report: 8h20
